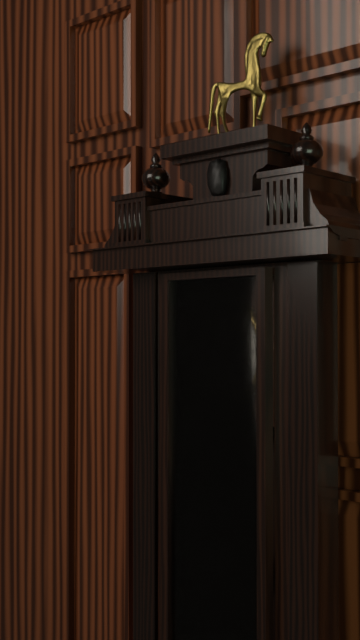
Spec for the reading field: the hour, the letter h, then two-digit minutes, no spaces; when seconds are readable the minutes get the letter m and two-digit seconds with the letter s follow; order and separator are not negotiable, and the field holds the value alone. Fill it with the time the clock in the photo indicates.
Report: 5h27
